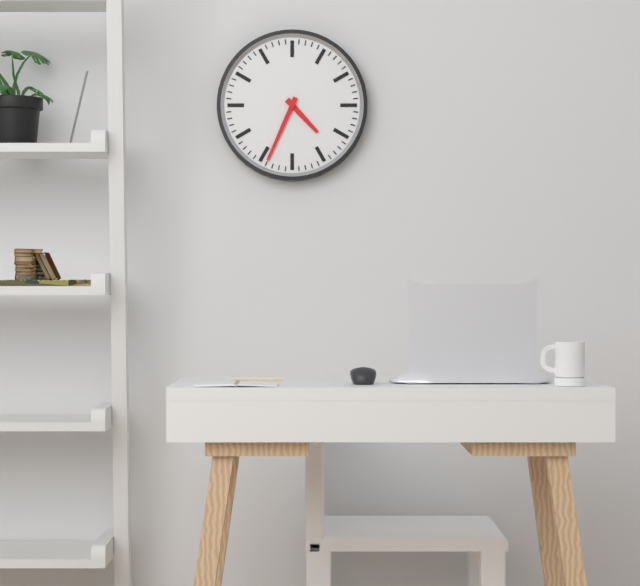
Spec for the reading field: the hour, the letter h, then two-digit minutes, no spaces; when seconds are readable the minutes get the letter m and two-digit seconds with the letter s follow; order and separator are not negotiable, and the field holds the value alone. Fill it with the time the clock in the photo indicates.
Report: 4h34
